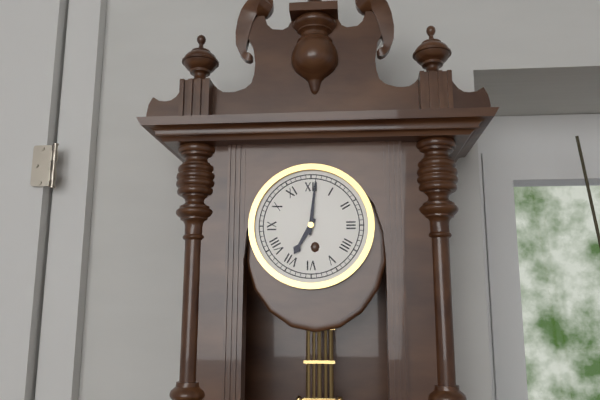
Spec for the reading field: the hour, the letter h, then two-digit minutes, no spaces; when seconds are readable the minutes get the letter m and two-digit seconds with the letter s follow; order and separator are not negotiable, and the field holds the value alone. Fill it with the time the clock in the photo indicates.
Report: 7h01
